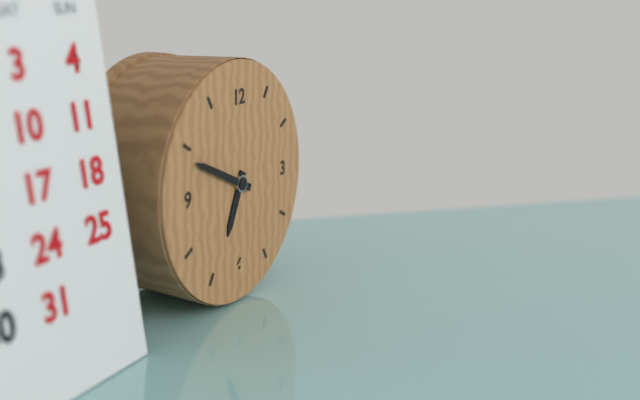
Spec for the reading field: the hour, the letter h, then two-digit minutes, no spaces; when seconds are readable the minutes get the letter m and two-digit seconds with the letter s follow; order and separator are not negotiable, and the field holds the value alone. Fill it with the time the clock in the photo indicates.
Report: 6h49
